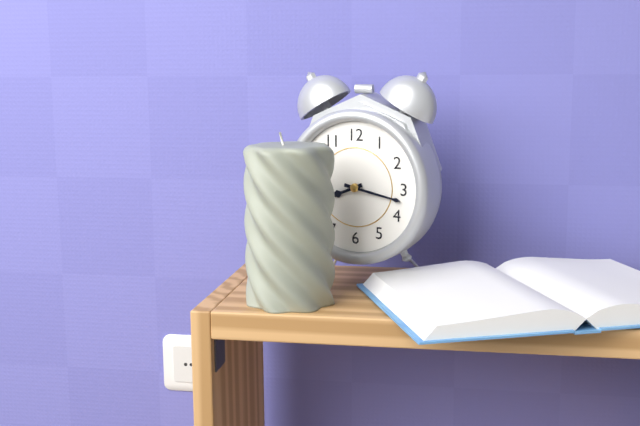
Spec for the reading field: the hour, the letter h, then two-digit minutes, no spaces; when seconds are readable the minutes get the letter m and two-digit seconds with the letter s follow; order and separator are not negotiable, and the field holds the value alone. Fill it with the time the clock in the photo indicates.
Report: 8h17
